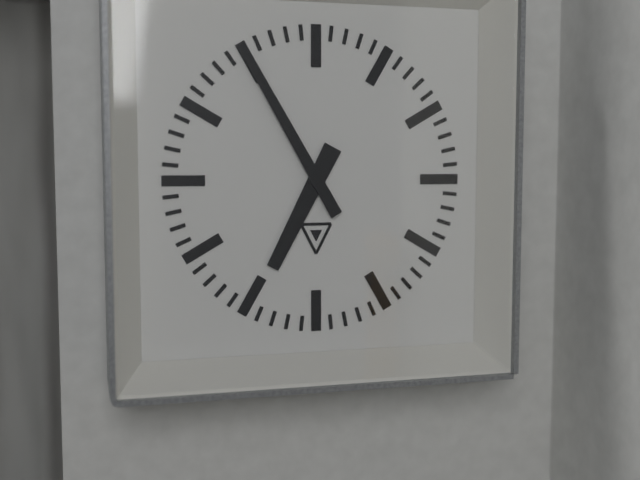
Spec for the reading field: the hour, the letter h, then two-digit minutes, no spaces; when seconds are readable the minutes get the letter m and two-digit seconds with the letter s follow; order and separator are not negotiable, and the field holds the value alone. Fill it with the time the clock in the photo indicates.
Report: 6h55
